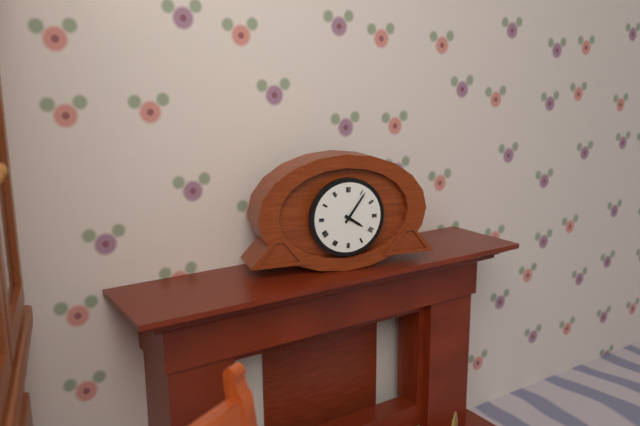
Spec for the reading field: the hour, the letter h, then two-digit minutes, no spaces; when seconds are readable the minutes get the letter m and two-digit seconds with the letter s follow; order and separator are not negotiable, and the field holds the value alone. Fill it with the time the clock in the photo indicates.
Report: 4h06
